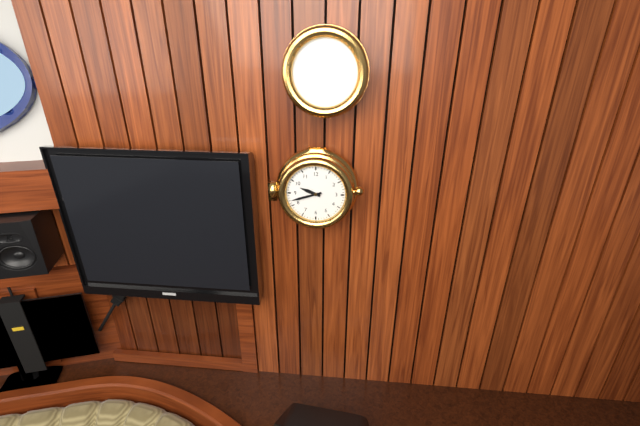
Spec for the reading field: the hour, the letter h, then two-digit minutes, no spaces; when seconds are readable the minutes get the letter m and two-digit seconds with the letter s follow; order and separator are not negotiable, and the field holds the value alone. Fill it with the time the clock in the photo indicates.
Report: 9h42
